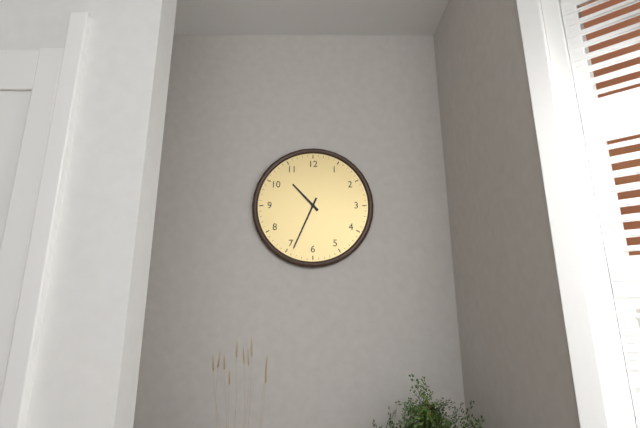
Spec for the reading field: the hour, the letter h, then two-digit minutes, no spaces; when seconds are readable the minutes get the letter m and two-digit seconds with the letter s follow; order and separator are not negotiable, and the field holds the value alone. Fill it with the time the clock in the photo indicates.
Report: 10h34
